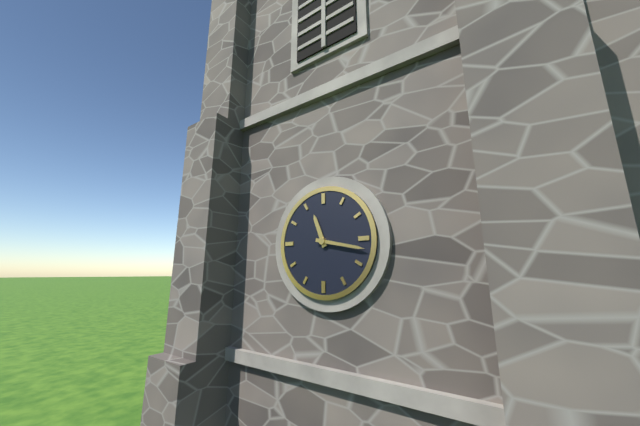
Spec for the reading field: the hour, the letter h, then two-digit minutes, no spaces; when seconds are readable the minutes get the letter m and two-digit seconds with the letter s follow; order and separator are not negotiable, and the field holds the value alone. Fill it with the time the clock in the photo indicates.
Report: 11h17
